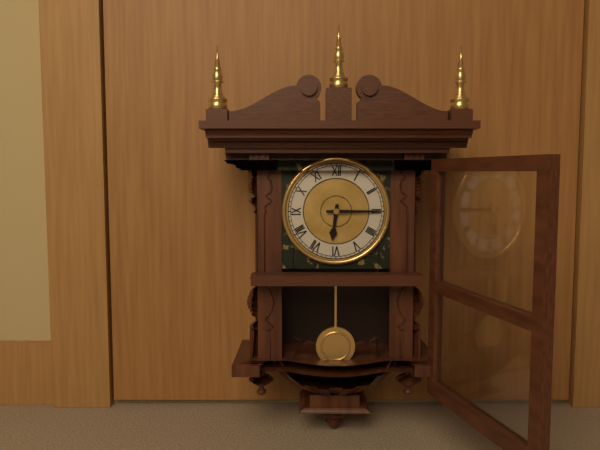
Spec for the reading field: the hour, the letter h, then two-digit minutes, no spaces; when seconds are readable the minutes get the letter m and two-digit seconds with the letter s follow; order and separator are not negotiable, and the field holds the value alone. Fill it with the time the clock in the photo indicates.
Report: 6h15
